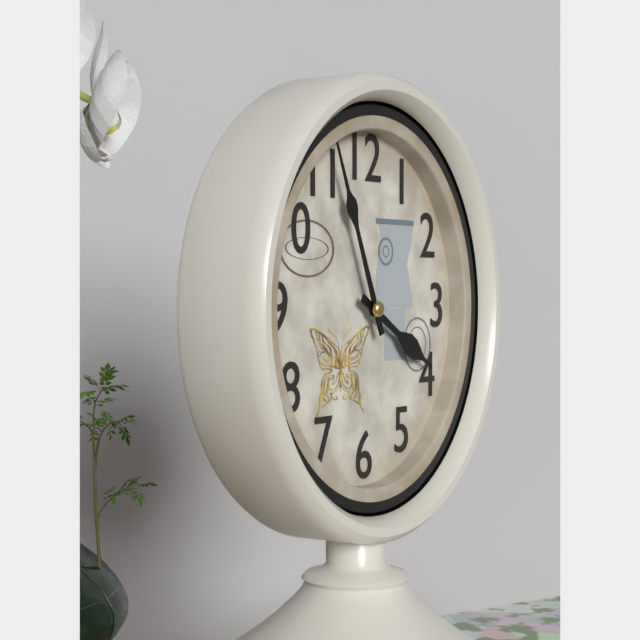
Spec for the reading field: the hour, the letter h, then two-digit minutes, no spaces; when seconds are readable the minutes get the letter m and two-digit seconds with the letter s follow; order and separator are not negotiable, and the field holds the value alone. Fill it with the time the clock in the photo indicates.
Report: 3h56
